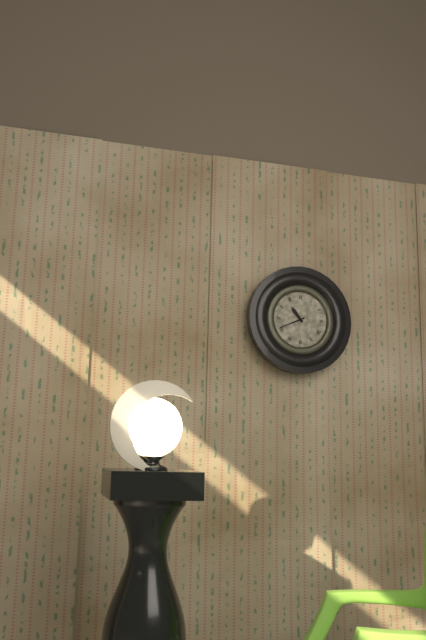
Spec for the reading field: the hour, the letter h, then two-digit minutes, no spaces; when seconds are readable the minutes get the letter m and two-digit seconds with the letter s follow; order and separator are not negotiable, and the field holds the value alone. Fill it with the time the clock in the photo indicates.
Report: 10h41
